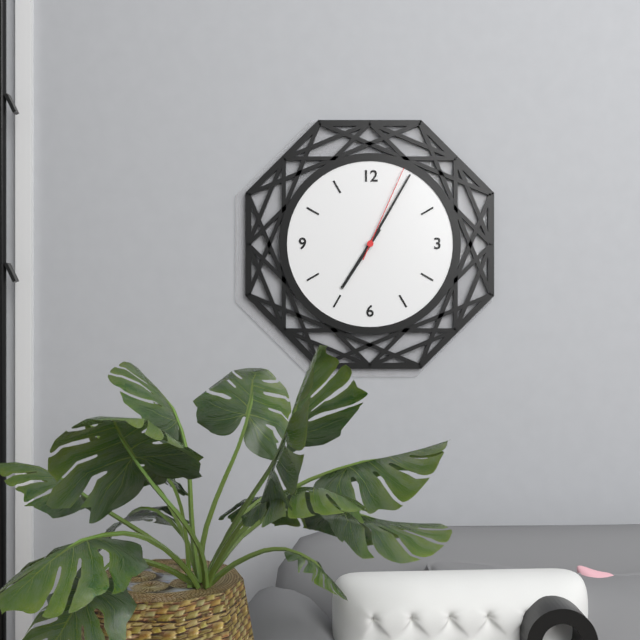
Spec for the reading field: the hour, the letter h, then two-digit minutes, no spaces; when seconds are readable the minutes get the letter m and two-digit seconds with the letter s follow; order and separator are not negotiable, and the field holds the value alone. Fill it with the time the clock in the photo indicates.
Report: 7h05m04s
